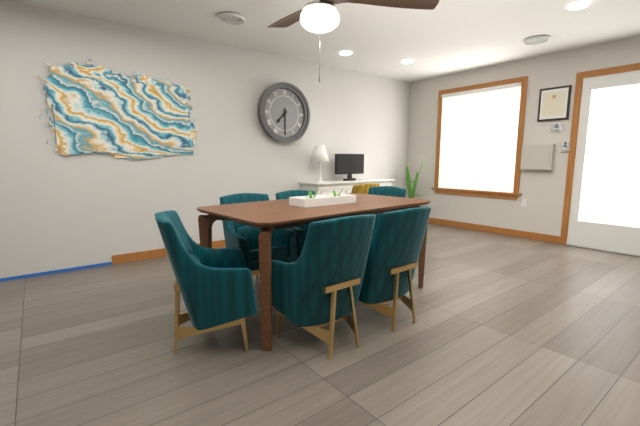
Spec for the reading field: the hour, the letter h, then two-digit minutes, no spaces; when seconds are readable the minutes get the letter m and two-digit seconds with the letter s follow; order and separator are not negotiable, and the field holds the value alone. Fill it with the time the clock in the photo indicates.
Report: 7h30
